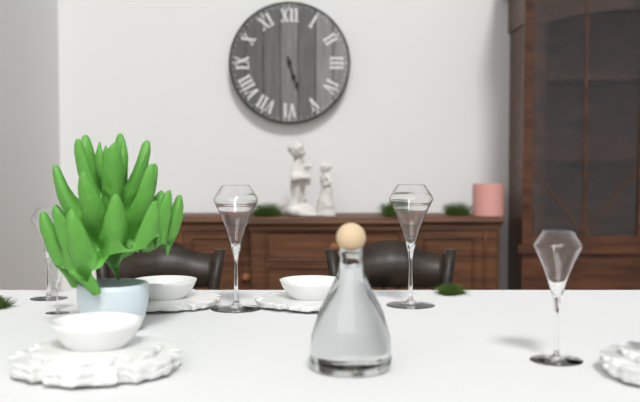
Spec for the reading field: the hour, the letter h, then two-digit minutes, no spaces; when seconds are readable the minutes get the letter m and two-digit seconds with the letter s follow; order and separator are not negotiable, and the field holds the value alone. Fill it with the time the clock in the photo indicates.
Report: 5h27
